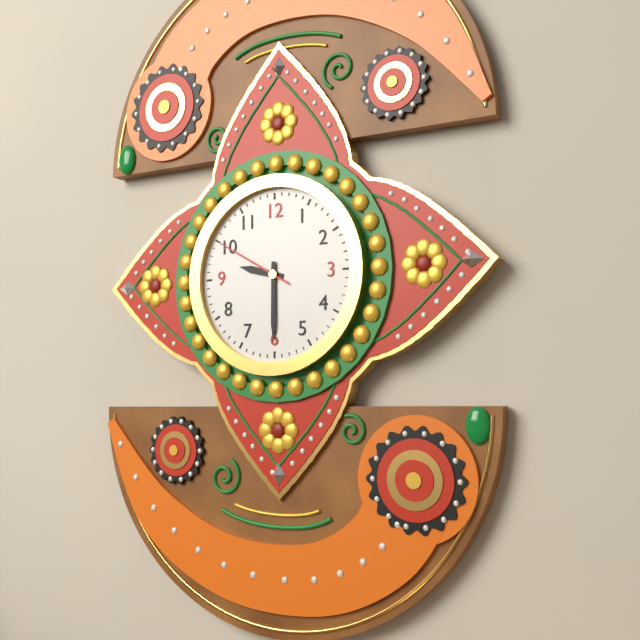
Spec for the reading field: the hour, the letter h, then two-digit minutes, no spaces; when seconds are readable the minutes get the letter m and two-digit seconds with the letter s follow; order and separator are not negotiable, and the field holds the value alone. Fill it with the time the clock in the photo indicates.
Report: 9h30m50s
